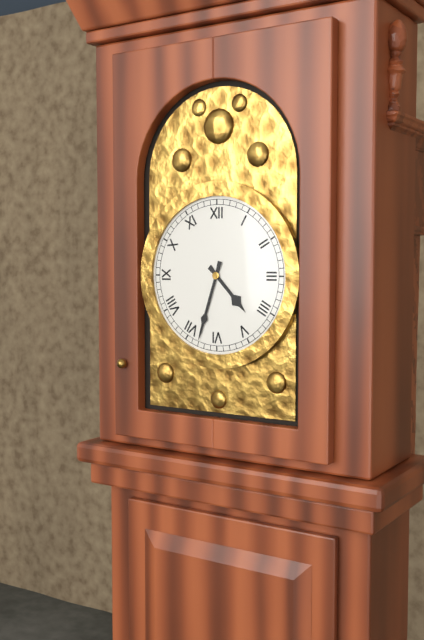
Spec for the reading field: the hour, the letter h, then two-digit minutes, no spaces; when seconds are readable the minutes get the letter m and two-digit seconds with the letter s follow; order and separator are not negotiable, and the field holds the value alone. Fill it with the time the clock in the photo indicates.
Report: 4h33
